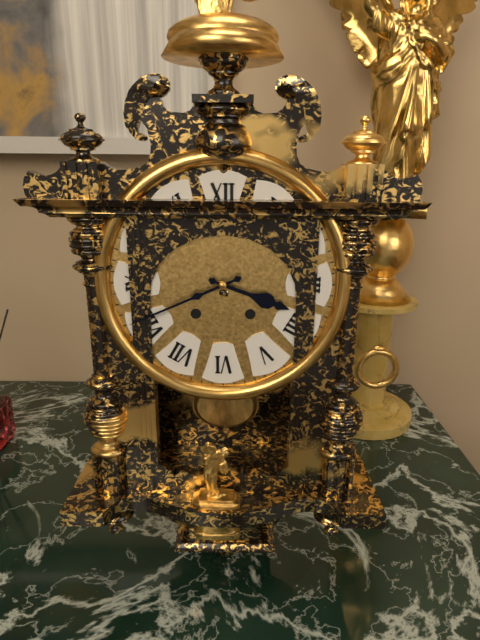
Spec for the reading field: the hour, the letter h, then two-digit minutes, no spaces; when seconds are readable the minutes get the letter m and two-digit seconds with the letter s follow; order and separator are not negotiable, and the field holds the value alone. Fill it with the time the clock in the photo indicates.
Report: 3h41
